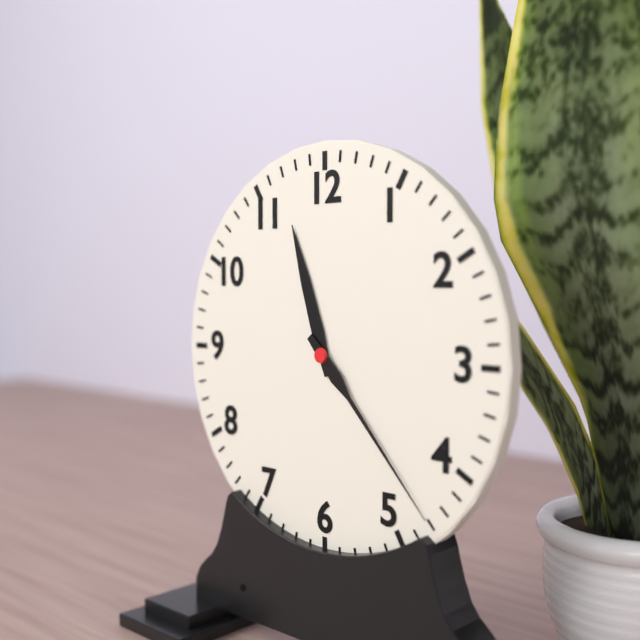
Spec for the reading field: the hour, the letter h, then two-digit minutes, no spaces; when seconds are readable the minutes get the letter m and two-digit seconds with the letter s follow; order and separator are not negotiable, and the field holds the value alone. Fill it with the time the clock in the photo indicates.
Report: 11h23
